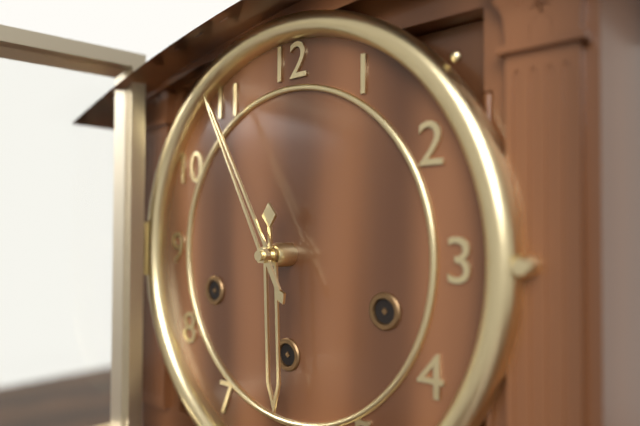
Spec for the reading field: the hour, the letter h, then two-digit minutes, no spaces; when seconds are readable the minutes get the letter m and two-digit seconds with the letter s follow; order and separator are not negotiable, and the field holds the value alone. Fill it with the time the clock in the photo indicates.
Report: 5h55
